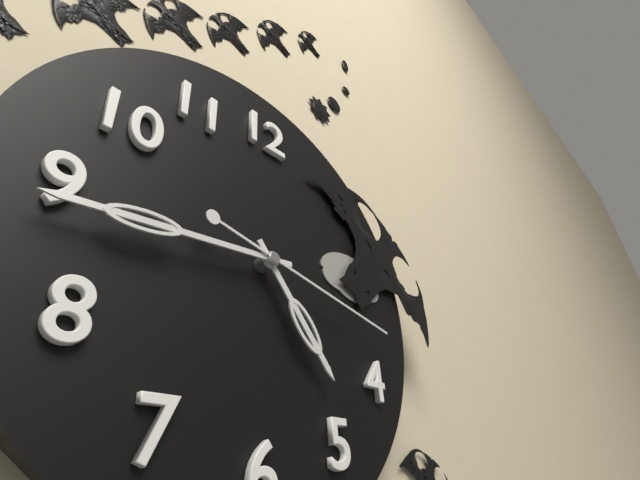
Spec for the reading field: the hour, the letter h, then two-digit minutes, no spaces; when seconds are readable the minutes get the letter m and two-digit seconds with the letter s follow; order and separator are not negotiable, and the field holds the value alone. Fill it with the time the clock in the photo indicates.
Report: 4h44m17s
